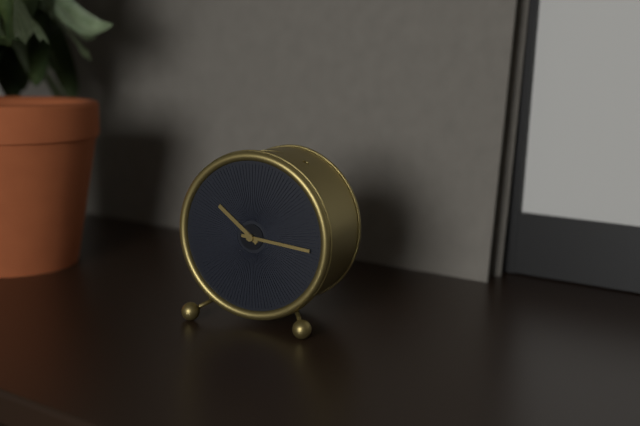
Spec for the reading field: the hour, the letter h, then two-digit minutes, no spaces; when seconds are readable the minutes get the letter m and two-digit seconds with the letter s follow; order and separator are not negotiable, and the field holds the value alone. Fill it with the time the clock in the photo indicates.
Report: 10h16
